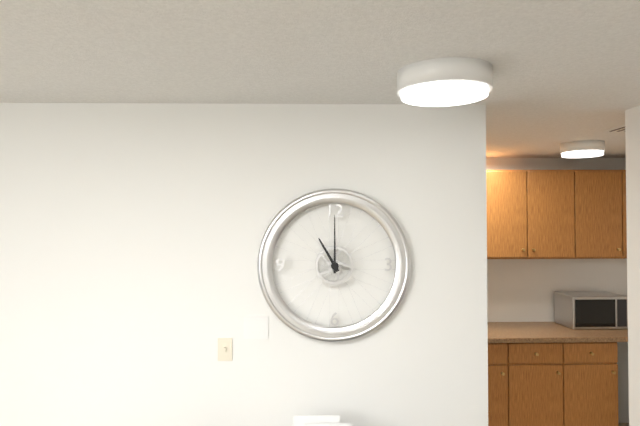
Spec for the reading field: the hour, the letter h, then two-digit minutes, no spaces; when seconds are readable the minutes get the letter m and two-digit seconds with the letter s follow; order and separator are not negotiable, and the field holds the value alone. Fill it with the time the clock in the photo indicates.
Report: 11h00
